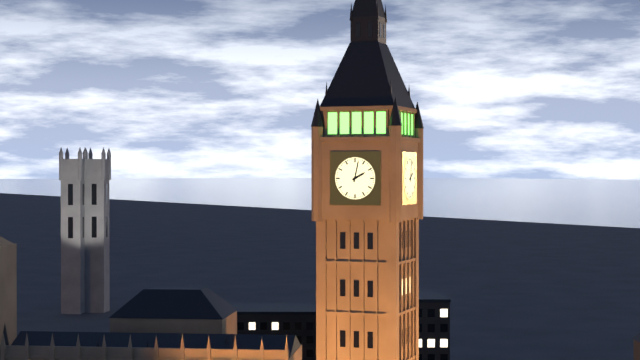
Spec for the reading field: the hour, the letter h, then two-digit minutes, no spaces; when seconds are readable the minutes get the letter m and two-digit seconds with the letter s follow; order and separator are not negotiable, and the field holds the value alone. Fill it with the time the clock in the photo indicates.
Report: 2h02
